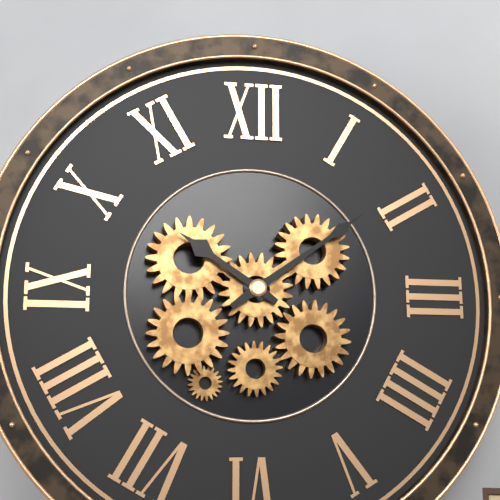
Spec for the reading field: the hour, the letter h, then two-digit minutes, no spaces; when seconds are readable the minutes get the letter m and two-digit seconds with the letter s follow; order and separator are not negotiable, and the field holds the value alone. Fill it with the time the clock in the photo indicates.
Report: 10h09
